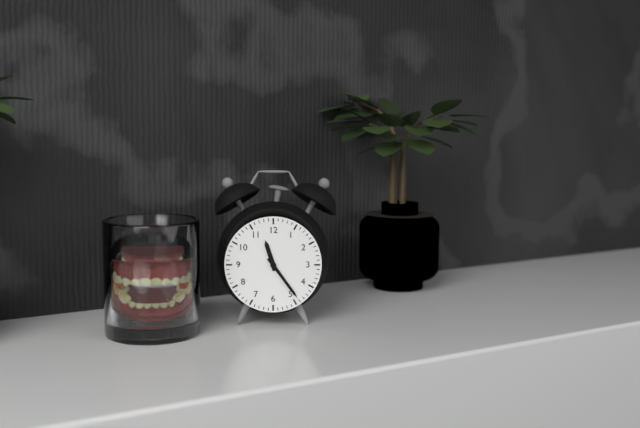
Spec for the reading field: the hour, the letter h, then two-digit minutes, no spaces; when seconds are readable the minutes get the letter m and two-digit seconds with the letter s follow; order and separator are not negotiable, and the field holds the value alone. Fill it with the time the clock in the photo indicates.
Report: 11h24
